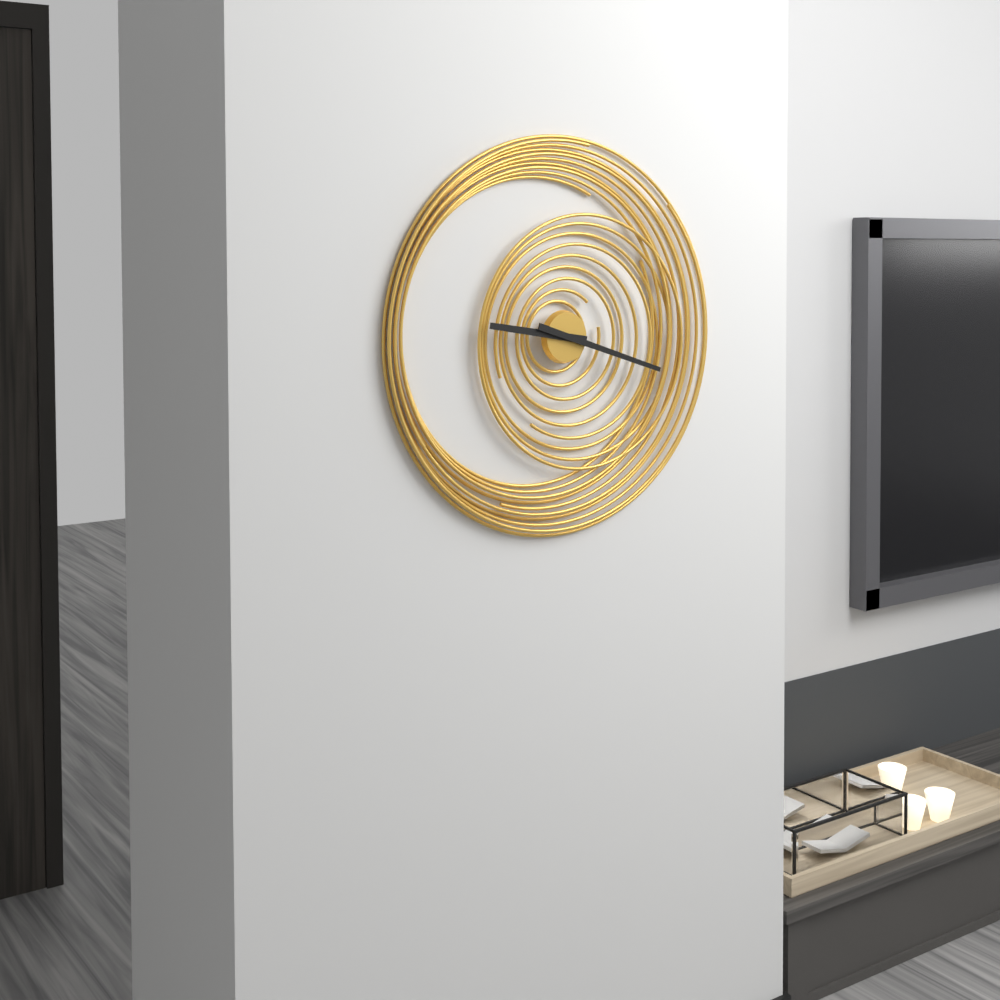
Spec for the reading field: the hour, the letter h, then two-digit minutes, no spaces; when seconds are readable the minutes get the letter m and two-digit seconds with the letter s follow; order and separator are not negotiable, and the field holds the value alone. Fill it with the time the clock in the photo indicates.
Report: 9h18
